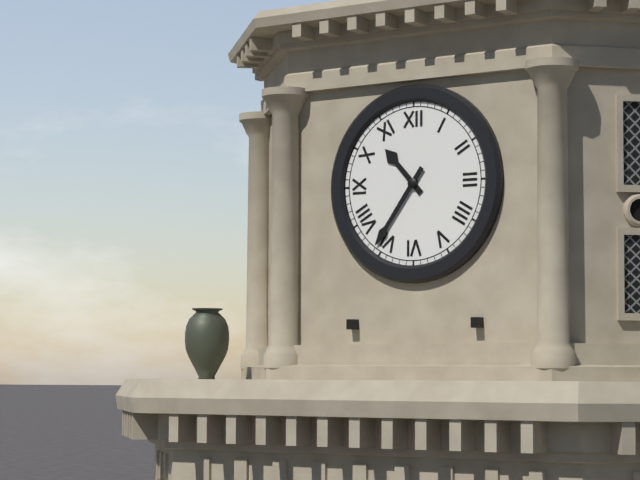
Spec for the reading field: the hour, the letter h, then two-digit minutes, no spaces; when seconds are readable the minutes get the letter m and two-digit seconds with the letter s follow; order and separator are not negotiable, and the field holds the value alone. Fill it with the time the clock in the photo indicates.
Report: 10h36
